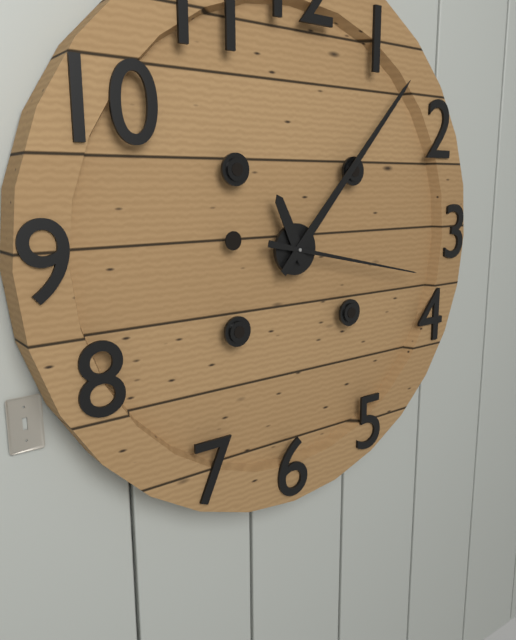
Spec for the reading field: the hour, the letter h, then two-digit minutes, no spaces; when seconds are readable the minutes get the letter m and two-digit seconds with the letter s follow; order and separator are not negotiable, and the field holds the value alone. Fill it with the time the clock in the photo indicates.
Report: 11h07m17s
